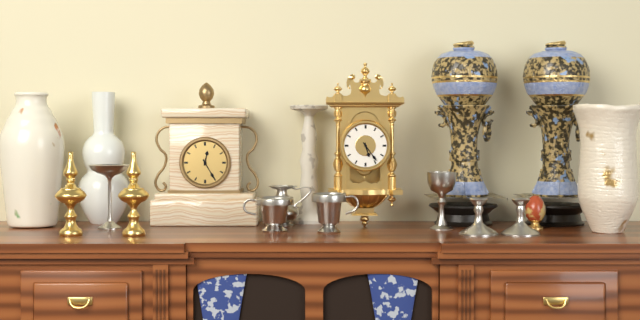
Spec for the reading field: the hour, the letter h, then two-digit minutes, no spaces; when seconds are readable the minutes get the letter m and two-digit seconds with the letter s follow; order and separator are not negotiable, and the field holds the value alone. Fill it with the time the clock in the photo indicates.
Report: 5h24
